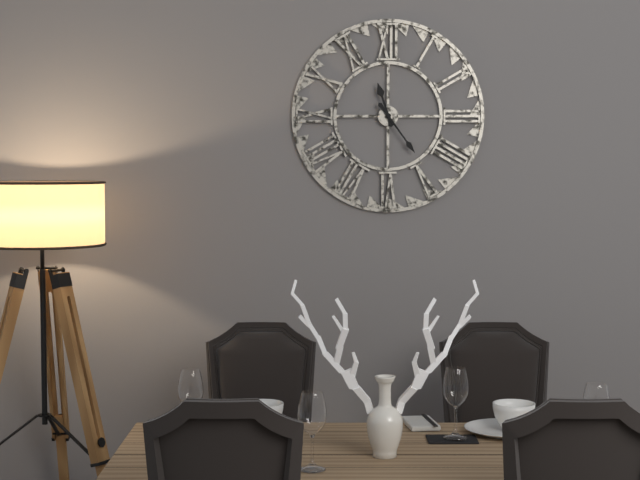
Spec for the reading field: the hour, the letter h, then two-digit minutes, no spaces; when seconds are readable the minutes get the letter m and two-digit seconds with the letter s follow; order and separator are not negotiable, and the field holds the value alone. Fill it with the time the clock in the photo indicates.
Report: 11h24
